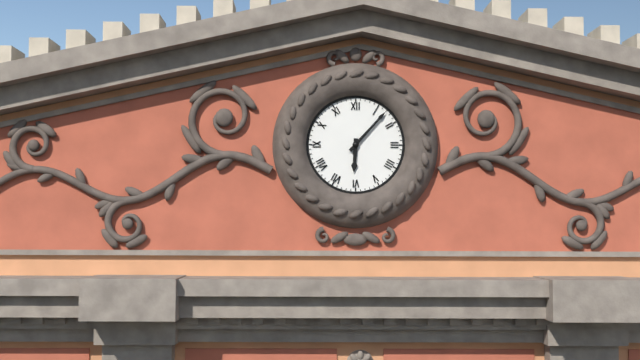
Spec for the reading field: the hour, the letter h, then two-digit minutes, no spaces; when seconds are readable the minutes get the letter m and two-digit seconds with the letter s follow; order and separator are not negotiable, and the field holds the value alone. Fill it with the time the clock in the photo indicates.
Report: 6h07
